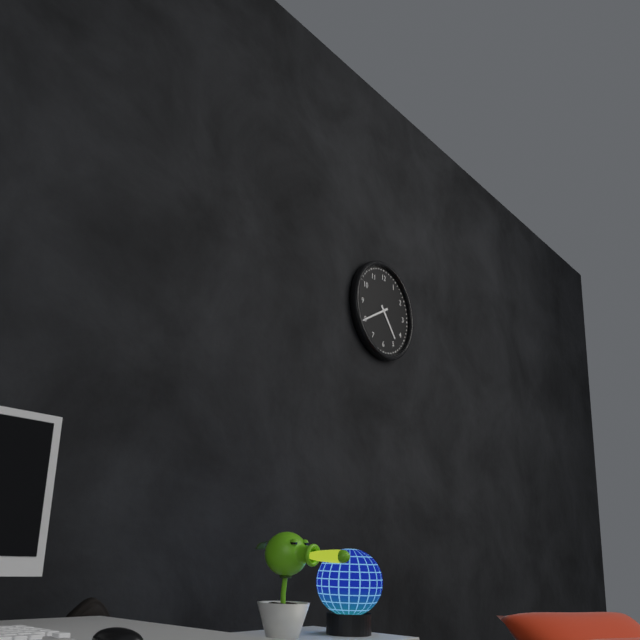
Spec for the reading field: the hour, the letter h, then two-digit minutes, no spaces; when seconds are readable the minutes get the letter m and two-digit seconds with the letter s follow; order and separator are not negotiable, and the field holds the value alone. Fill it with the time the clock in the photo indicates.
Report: 4h40
